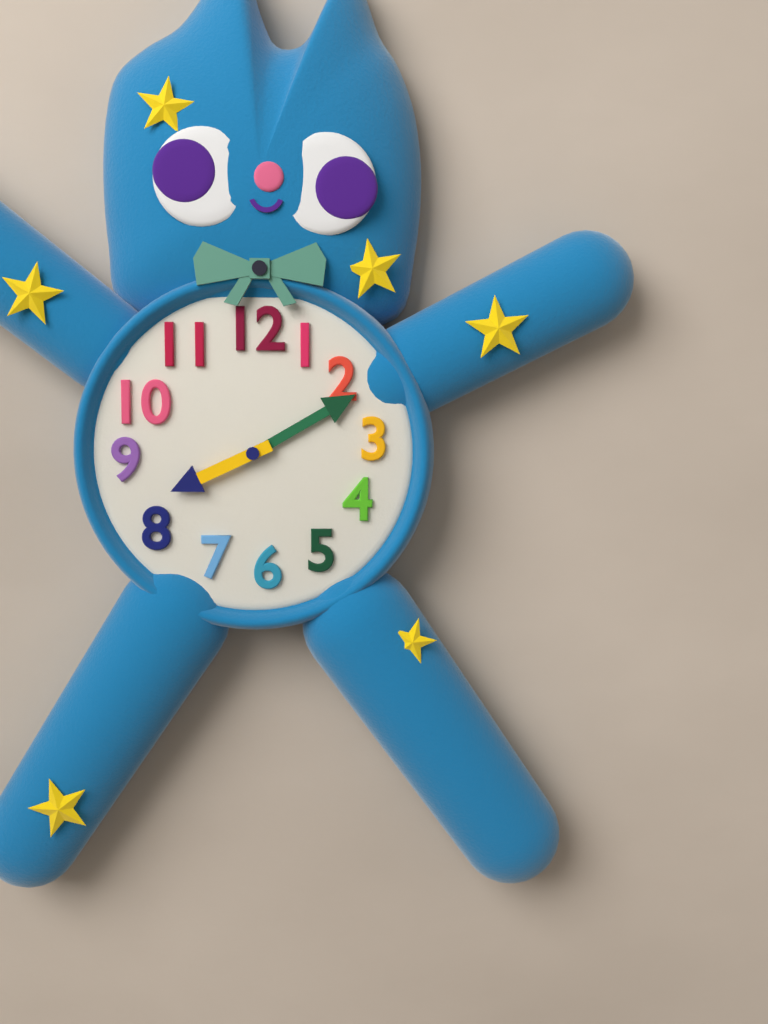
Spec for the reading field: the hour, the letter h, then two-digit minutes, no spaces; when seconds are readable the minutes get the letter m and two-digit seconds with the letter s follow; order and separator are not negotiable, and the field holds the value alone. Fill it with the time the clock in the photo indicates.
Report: 8h10
